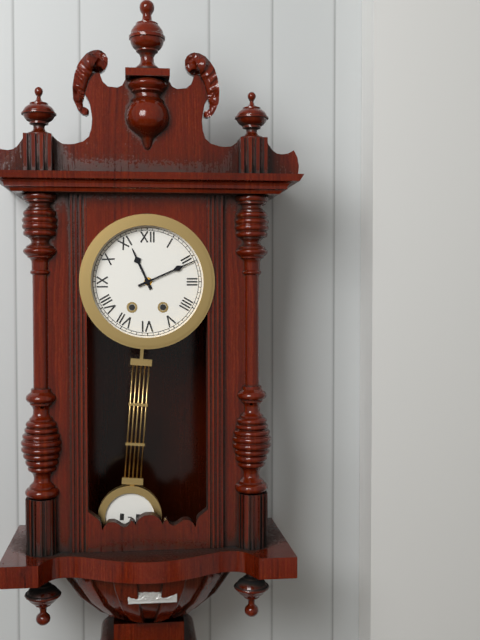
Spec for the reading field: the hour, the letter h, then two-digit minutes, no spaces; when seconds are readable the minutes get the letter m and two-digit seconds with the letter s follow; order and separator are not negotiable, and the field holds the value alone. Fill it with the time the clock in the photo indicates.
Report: 11h11
